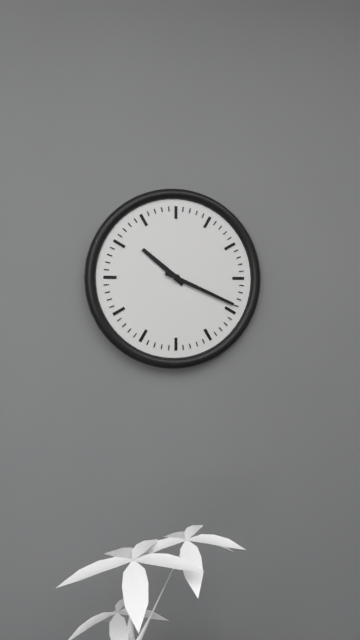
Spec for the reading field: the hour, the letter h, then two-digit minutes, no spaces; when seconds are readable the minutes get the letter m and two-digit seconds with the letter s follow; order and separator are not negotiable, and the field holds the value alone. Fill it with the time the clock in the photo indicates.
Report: 10h19
